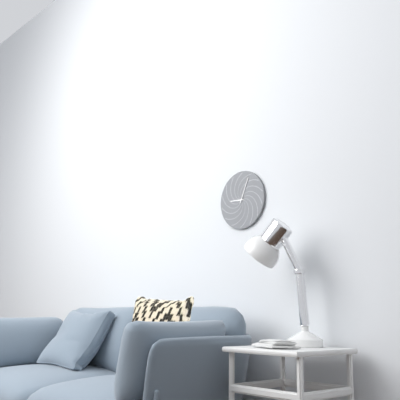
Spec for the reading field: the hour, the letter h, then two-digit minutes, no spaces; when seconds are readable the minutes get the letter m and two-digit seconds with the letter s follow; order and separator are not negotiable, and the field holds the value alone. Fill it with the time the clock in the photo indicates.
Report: 9h04
